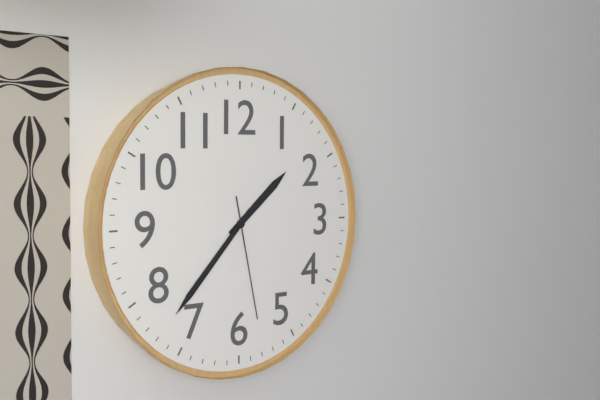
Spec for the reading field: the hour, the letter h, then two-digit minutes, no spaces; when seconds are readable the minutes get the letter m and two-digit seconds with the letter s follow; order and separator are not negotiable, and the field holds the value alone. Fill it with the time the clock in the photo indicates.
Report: 1h37m28s
